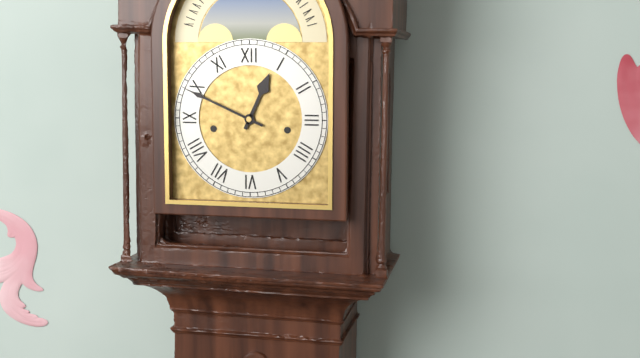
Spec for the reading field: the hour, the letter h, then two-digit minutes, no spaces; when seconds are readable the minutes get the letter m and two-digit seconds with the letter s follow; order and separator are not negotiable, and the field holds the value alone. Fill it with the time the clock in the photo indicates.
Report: 12h49
